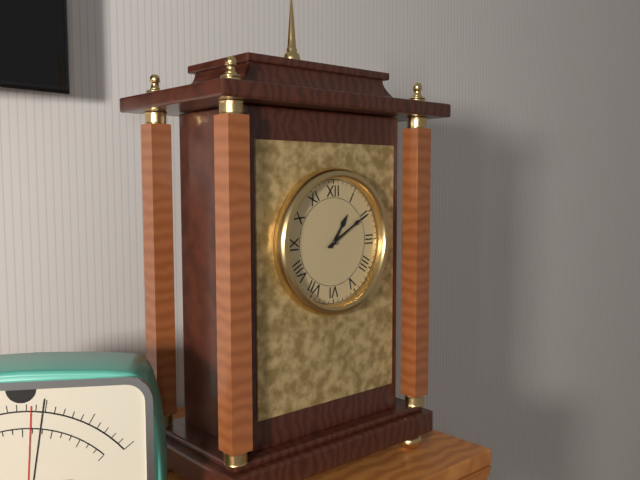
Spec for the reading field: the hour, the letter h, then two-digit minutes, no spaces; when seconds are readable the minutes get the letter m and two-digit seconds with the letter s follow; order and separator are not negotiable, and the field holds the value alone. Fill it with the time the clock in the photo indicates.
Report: 1h10
